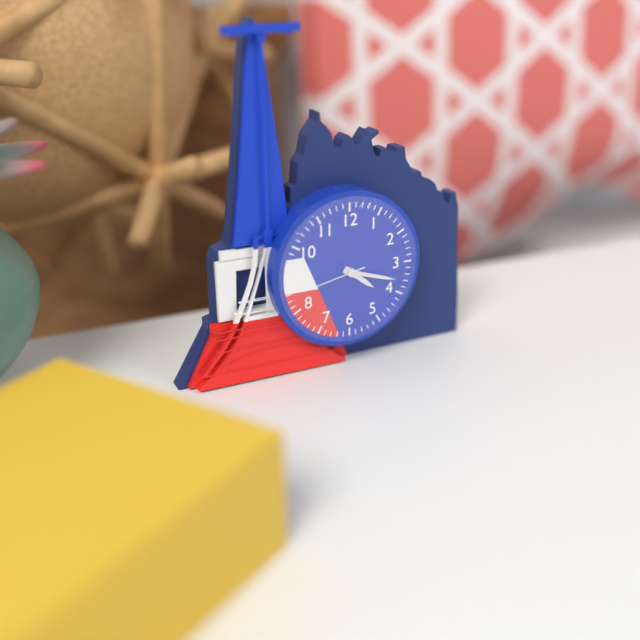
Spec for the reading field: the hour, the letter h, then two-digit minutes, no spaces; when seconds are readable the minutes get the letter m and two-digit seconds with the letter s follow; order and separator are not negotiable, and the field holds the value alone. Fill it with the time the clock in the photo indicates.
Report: 4h18m43s
